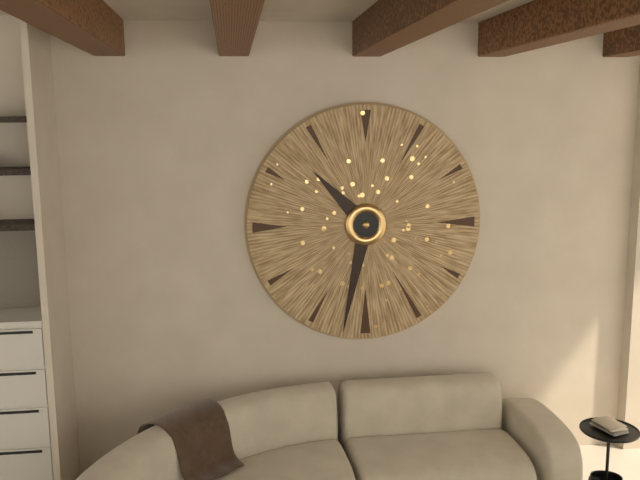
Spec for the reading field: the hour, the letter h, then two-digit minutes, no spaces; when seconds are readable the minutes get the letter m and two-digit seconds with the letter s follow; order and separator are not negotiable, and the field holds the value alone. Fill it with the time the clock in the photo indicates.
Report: 10h32
